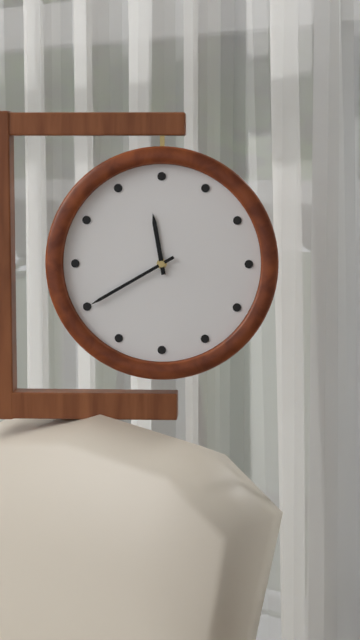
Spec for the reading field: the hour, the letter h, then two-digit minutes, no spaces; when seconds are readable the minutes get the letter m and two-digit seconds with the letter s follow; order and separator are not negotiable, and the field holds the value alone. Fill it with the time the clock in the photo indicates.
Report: 11h40
